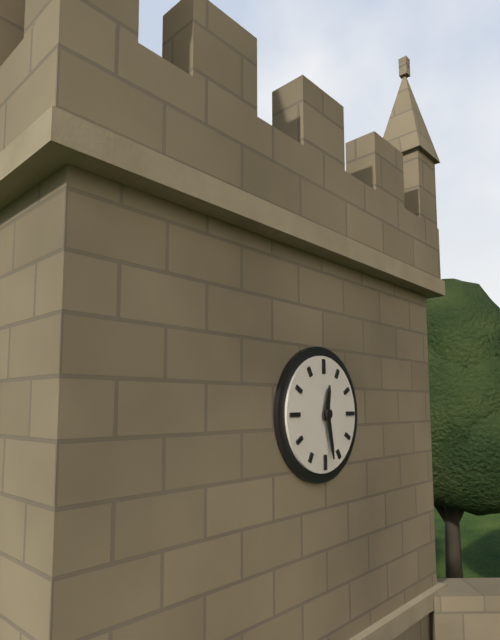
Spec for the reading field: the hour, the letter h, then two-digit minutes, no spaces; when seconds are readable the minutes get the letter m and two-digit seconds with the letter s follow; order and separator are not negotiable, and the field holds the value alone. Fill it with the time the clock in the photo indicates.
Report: 12h28
